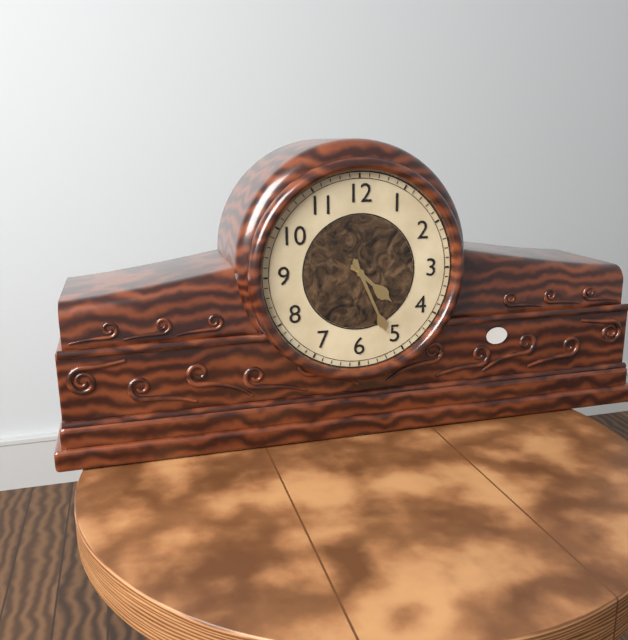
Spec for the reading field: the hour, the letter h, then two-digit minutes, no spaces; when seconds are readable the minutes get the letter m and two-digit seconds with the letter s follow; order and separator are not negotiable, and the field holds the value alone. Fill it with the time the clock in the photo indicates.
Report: 4h26
